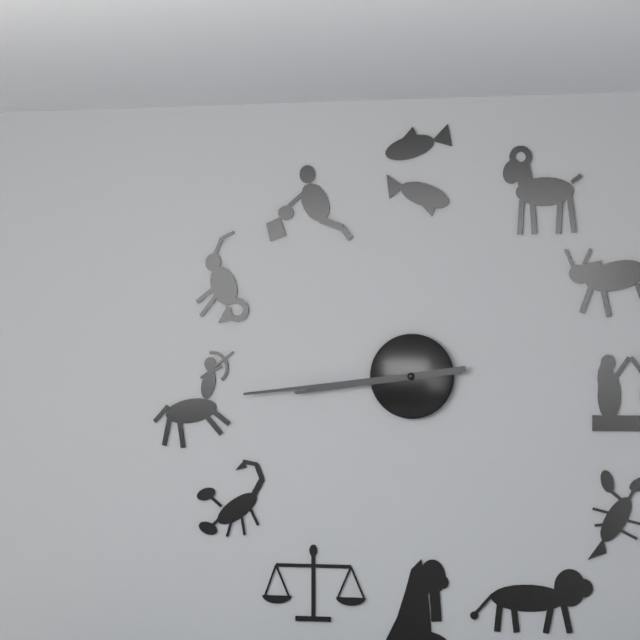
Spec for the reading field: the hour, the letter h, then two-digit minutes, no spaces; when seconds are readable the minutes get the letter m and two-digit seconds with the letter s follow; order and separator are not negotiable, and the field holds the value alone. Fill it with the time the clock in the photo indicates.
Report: 8h44
